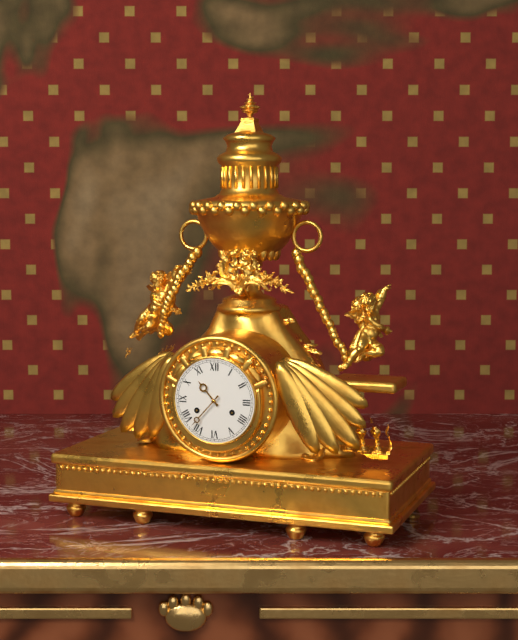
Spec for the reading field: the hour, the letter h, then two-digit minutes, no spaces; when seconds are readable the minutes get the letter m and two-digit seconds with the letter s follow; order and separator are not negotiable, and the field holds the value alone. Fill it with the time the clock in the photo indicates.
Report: 10h37
